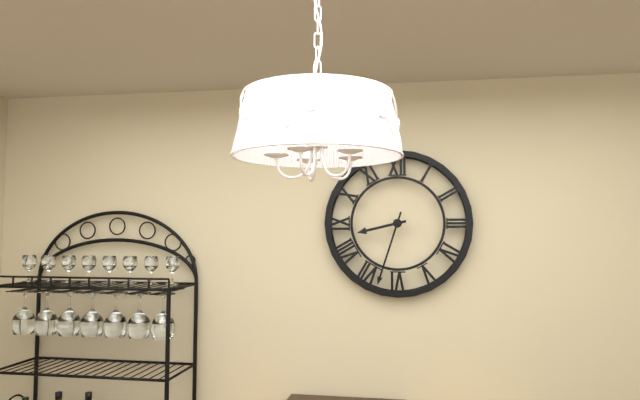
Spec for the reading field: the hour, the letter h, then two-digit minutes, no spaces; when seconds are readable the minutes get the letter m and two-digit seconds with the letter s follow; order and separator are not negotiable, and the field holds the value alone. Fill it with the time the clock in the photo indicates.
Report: 8h33
